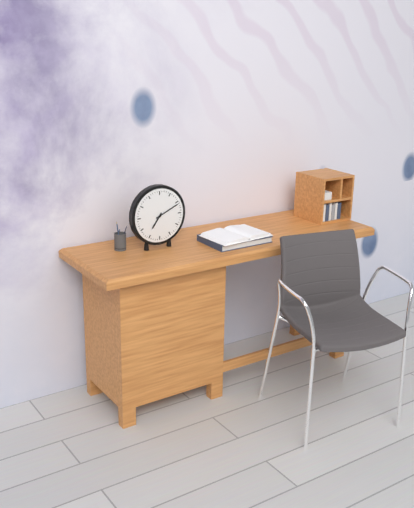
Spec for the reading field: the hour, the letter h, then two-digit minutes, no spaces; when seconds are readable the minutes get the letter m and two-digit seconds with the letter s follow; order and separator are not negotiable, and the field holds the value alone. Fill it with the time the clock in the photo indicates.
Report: 7h11
